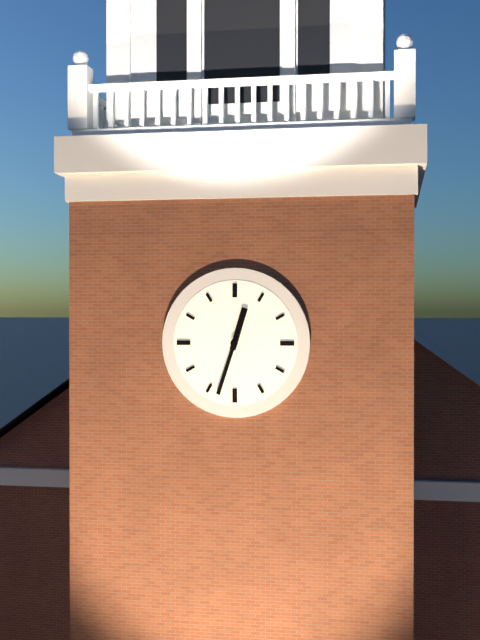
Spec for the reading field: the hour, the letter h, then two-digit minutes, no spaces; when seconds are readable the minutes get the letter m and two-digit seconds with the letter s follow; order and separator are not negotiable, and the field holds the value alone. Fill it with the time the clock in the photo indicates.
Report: 12h33
